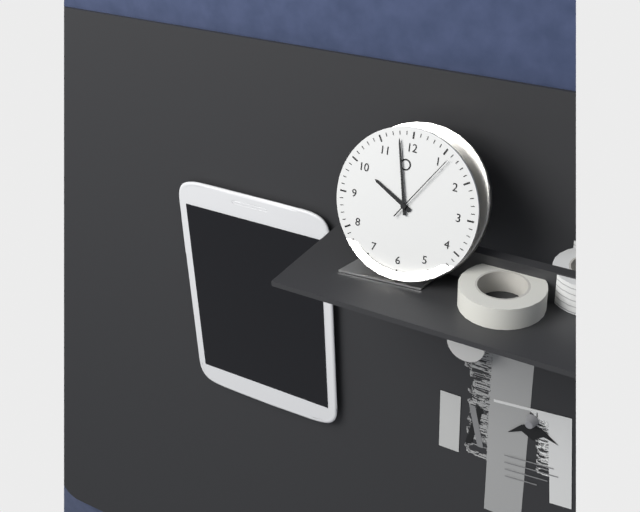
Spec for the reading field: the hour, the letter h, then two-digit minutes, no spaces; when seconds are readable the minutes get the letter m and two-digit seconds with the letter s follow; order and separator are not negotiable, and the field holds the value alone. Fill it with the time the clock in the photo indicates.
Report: 9h58m06s
